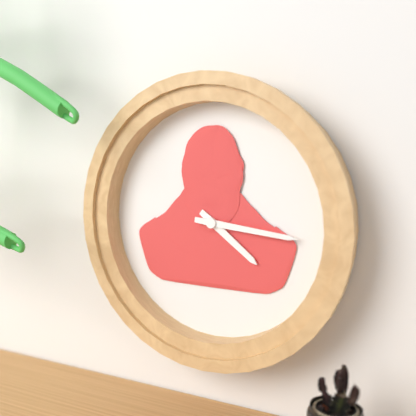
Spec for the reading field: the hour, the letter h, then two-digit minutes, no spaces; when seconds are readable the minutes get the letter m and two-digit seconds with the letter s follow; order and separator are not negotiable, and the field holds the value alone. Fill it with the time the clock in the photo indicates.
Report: 4h16
